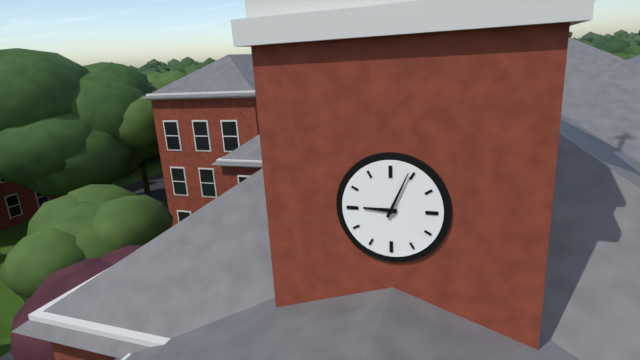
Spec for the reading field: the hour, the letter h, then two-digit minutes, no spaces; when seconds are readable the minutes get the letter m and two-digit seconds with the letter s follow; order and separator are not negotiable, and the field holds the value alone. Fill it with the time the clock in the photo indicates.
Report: 9h04
